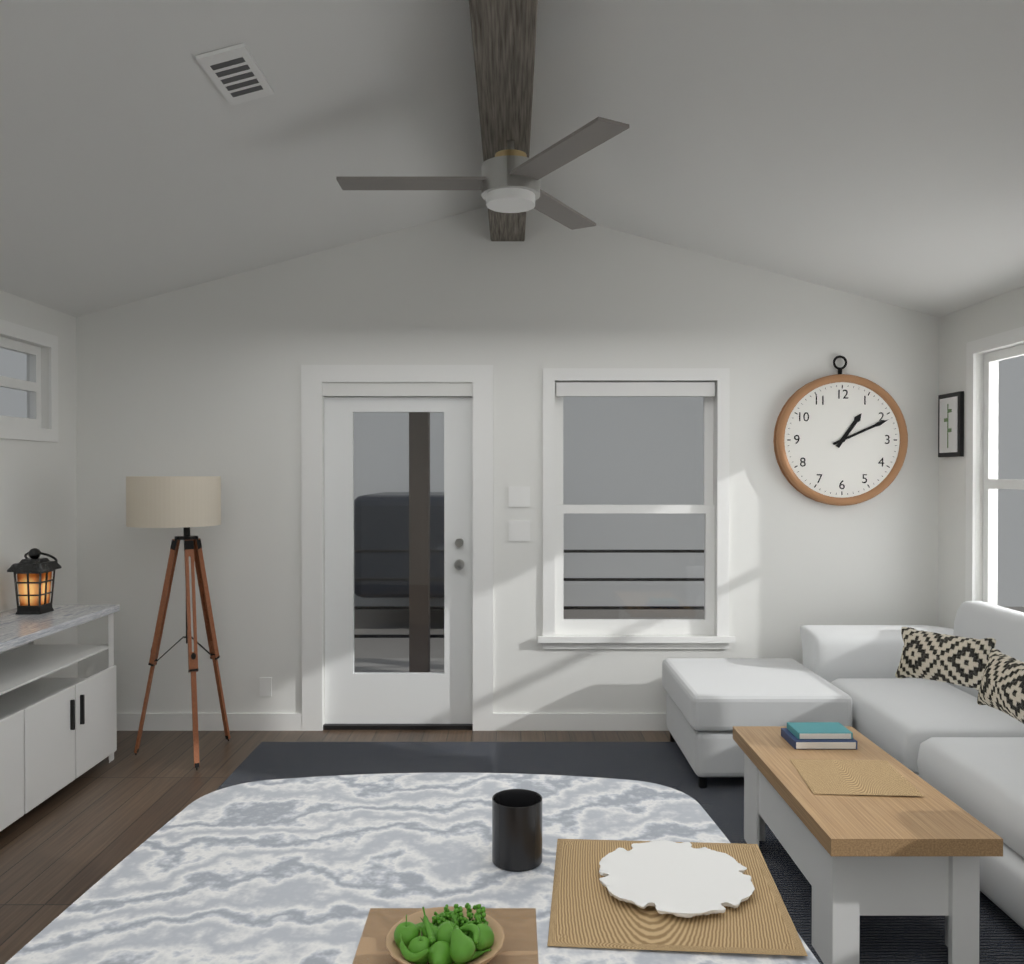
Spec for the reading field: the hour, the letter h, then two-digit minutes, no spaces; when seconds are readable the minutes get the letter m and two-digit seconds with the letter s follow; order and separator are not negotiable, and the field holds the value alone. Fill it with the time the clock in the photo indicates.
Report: 1h11
